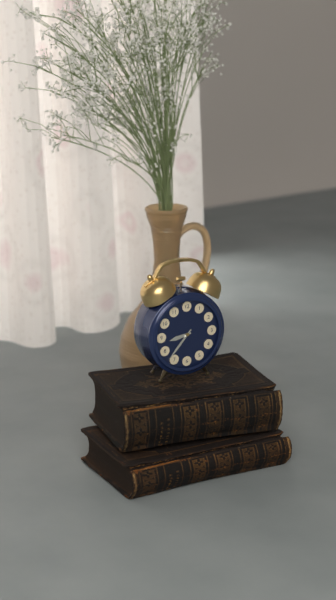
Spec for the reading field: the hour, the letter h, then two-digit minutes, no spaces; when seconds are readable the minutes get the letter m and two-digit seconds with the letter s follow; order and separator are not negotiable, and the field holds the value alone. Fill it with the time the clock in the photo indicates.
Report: 8h37
